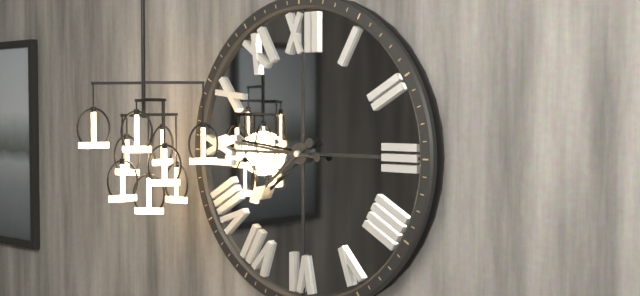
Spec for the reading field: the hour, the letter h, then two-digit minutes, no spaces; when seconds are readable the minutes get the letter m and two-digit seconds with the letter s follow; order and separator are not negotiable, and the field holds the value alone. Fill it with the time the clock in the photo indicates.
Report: 7h46
